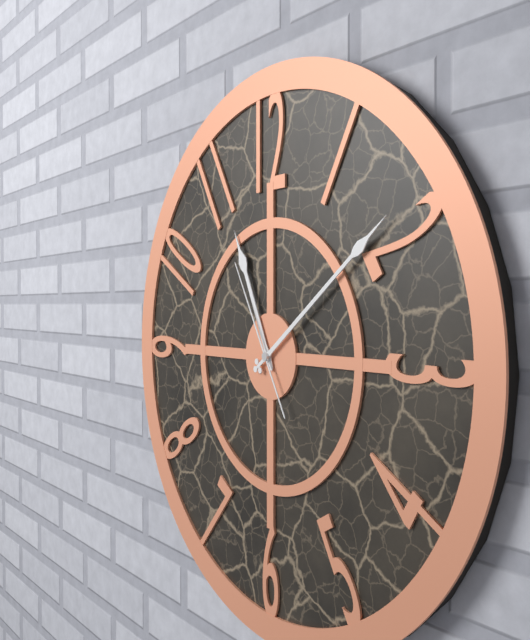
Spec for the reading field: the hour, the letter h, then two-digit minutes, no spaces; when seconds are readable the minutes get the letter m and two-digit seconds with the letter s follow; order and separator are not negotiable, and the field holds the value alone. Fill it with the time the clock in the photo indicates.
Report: 11h09m55s
